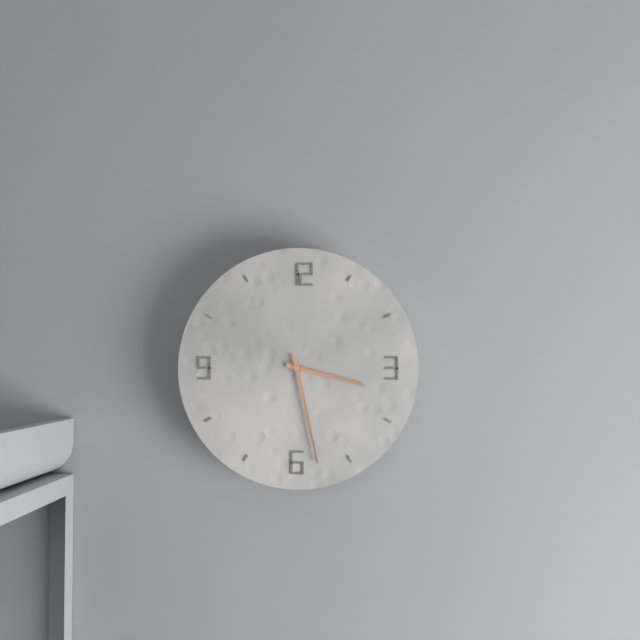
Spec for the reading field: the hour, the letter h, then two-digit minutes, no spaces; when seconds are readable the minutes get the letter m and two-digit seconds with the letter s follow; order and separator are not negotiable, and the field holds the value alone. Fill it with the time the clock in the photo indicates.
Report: 3h28
